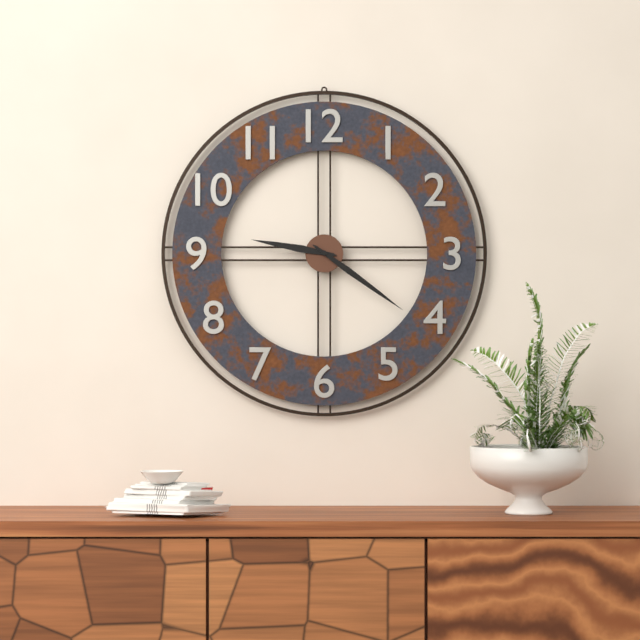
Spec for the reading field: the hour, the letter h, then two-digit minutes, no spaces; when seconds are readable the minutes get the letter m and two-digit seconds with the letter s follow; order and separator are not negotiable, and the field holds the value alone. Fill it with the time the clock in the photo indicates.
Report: 9h21
